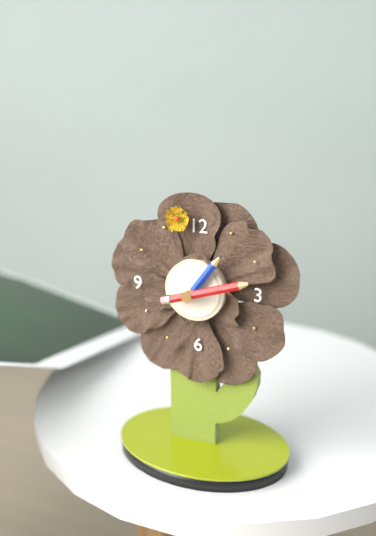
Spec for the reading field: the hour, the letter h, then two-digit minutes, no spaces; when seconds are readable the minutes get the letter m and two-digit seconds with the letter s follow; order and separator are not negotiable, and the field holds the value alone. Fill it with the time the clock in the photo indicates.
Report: 1h12
